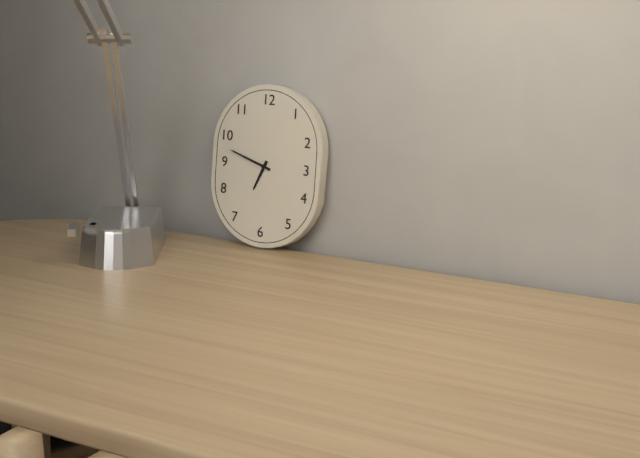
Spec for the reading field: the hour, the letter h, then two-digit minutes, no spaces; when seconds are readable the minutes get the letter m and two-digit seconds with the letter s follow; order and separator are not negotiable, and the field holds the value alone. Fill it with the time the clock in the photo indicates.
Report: 6h48
